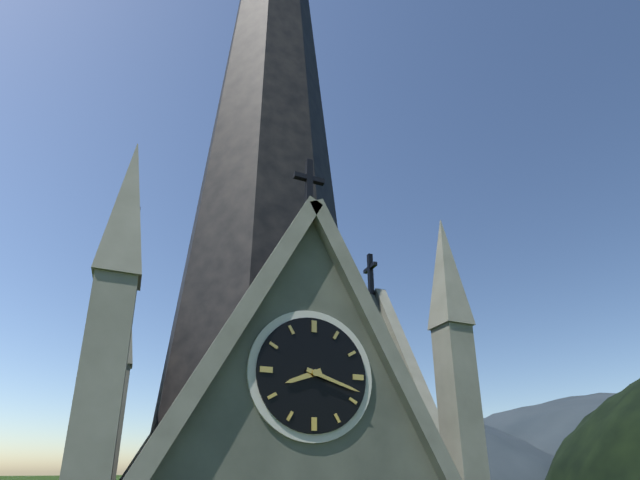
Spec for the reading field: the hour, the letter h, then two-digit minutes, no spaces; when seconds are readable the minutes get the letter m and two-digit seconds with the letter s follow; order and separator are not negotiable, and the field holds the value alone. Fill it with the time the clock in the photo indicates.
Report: 8h18
